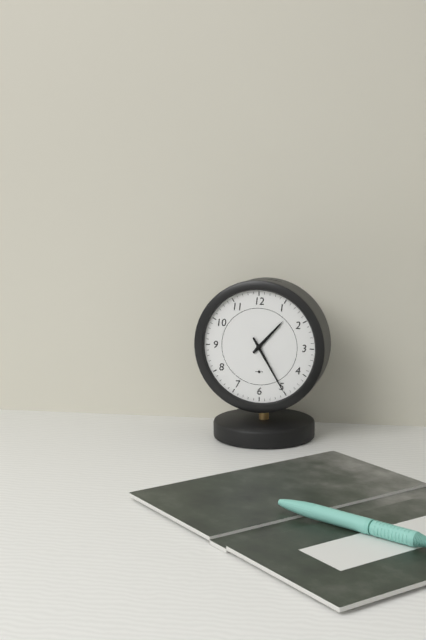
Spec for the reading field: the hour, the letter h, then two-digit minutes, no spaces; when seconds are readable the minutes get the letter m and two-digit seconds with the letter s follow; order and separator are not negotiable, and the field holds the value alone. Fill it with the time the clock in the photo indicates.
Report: 1h25
